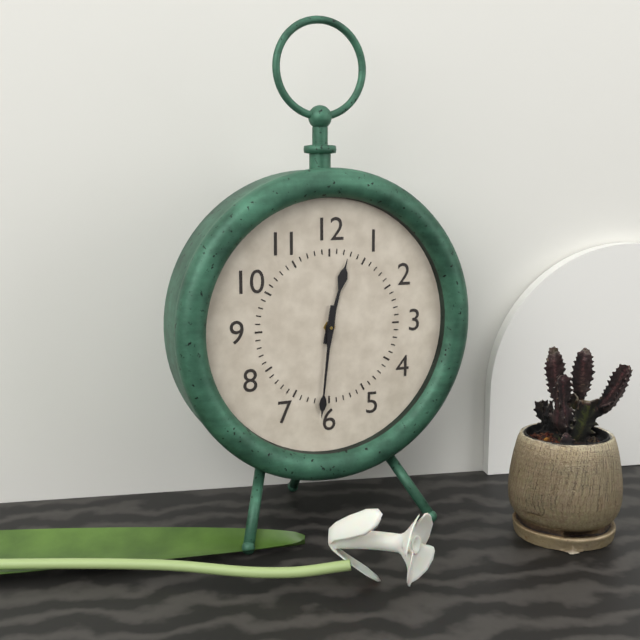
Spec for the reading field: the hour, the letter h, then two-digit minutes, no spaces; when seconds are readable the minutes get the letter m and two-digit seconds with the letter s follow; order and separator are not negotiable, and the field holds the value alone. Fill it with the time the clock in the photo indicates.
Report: 12h31
